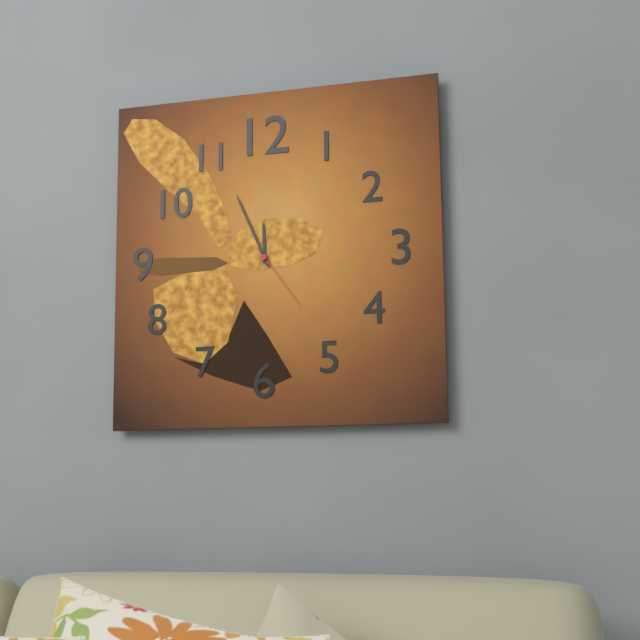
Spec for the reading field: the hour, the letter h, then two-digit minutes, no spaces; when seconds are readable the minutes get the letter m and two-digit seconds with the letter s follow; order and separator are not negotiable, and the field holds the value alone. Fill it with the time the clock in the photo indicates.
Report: 11h56m24s
